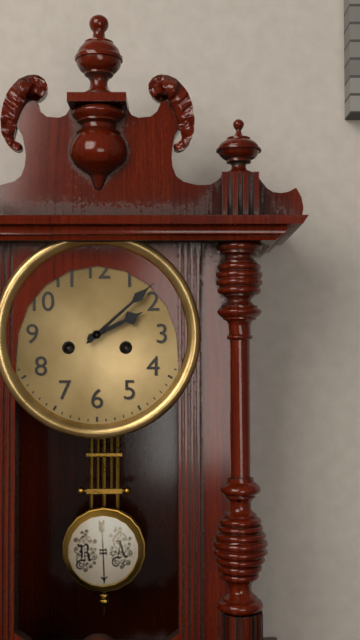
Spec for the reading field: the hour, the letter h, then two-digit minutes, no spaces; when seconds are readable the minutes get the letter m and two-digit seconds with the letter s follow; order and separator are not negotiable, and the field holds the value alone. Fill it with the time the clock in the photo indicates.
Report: 2h08
